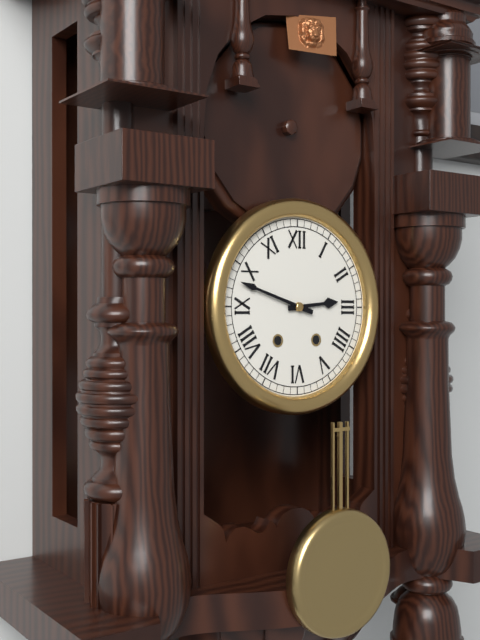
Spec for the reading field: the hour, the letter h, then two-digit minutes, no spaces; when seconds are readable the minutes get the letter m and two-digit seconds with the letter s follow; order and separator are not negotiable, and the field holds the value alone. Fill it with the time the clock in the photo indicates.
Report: 2h48
